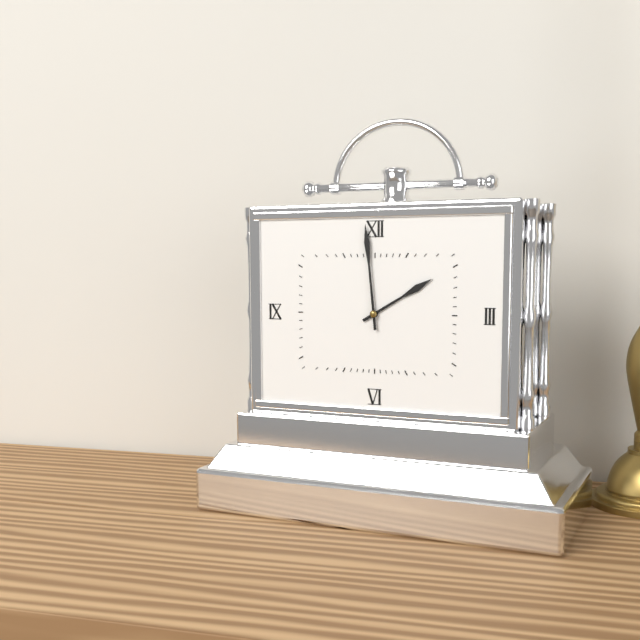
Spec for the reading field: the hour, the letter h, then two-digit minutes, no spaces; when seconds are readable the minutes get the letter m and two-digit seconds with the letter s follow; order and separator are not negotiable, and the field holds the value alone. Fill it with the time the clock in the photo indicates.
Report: 1h59
